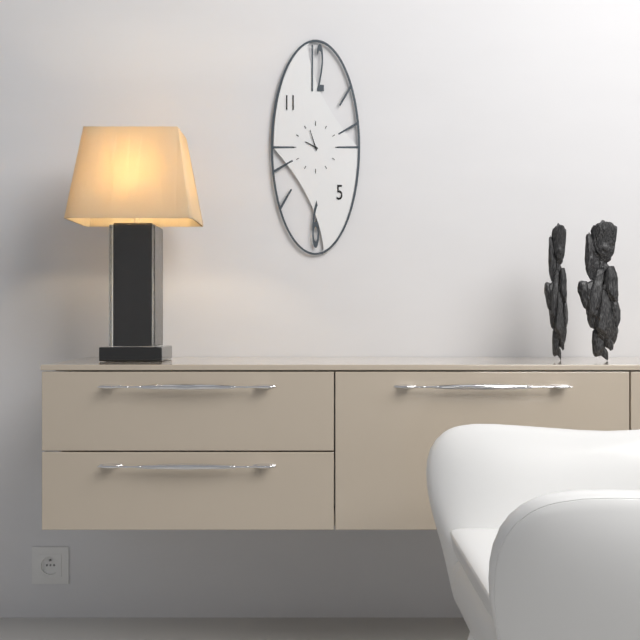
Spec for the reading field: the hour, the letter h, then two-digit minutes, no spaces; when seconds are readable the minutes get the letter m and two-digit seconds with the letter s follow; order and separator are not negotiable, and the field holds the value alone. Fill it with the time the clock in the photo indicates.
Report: 9h57
